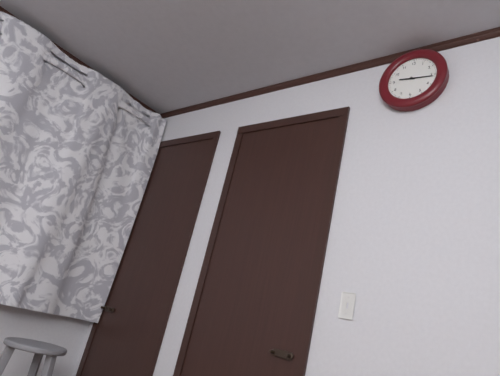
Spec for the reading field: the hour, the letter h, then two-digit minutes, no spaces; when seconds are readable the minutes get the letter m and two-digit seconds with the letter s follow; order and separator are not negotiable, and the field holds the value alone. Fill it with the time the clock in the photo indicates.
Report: 9h16
